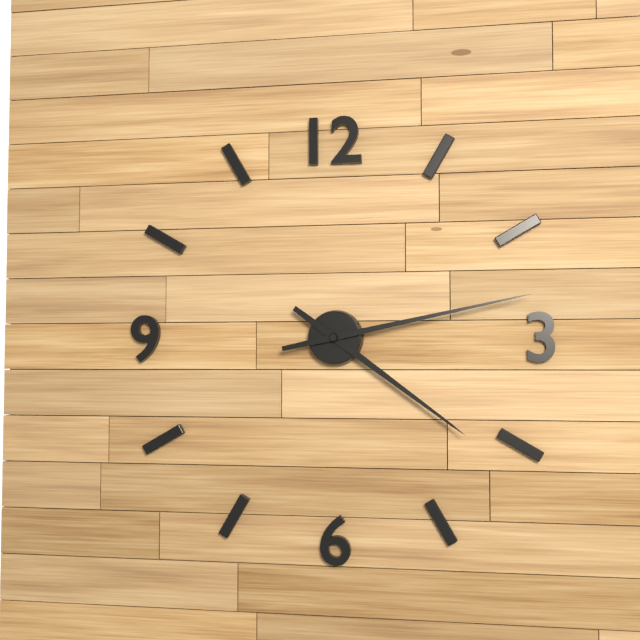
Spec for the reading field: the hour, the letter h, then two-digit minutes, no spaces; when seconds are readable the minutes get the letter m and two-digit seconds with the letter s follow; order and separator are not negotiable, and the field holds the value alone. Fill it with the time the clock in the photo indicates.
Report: 4h13
